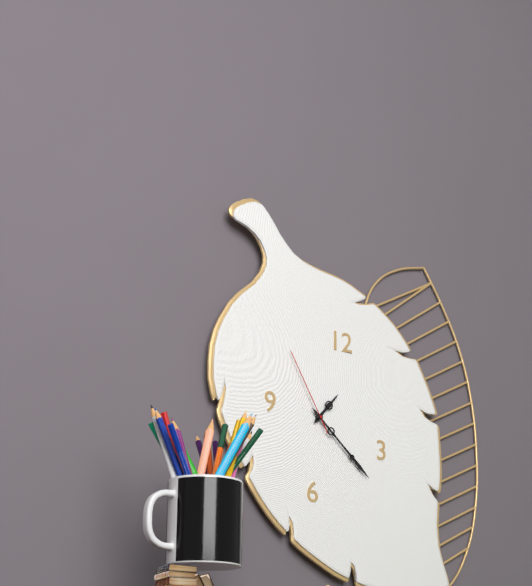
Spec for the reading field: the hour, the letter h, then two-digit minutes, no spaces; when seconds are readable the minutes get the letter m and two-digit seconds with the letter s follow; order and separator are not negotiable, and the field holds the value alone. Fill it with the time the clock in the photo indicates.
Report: 1h22m55s
